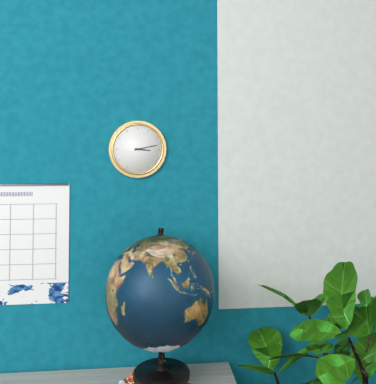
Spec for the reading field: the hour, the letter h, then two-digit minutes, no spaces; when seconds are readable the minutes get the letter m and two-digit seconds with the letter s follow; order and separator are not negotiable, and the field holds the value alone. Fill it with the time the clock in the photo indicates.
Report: 3h13
